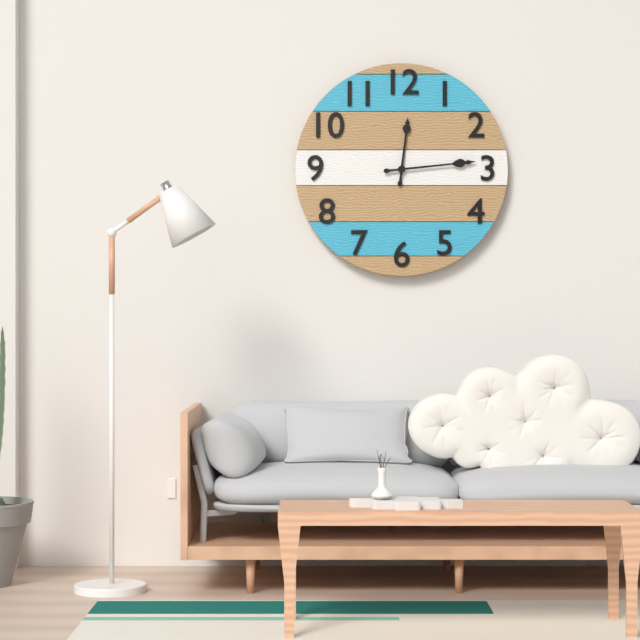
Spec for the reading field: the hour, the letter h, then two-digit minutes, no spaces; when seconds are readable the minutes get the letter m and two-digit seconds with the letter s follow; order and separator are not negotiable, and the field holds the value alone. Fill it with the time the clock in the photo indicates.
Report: 12h14
